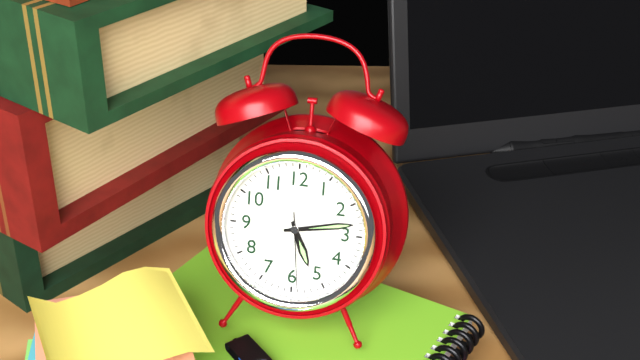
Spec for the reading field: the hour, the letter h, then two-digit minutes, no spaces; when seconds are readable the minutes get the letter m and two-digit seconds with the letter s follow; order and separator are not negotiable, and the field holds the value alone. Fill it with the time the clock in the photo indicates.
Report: 5h13m29s
